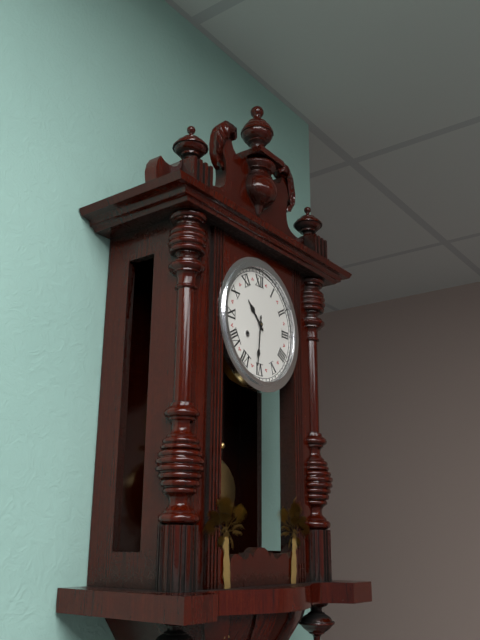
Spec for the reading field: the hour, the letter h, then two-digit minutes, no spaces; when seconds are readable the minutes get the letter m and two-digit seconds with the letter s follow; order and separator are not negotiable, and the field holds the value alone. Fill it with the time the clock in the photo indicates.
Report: 10h31
